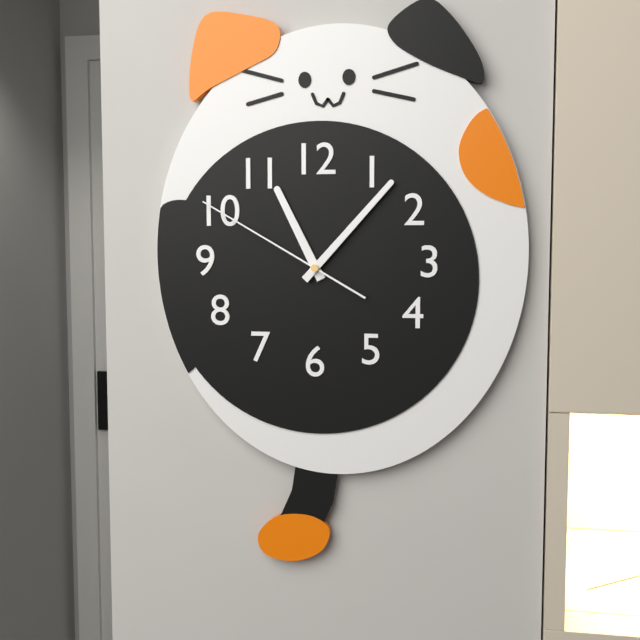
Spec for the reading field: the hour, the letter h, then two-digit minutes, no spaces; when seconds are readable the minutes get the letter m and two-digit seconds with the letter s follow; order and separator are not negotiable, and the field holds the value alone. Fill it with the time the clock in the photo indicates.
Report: 11h07m50s
